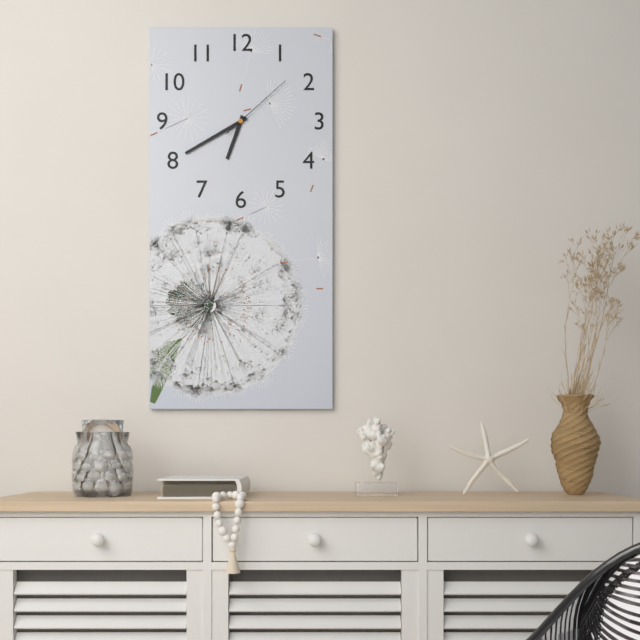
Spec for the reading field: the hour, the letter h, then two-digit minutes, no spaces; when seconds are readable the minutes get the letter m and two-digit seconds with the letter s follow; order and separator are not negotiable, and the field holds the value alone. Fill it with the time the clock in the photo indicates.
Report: 6h40m08s
